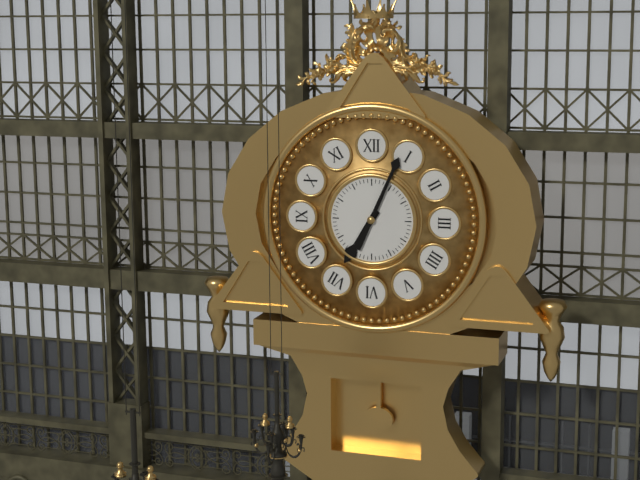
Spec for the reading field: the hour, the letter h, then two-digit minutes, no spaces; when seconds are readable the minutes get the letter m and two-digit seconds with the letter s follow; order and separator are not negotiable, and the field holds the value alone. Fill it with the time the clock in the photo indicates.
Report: 7h04
